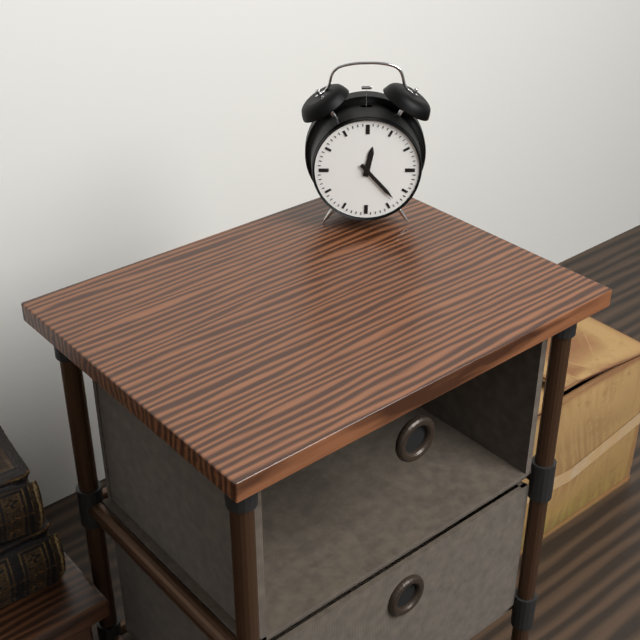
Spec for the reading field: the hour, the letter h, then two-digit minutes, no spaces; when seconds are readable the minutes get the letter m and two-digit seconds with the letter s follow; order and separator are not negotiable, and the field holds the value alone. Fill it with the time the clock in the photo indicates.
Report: 12h23
